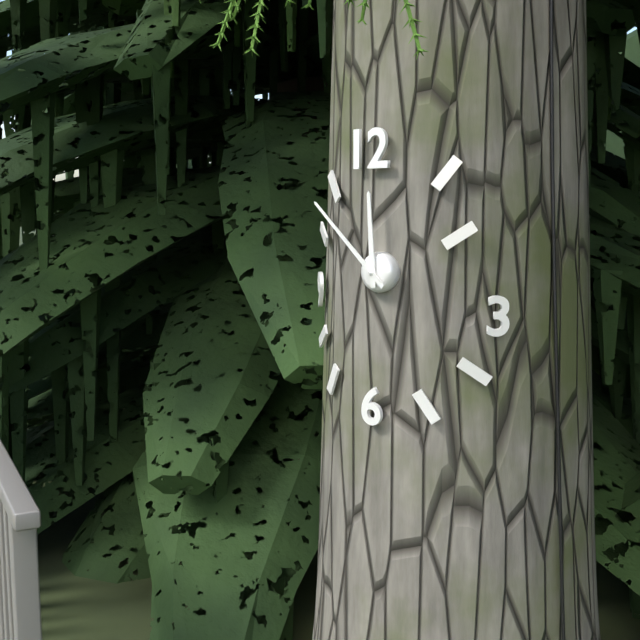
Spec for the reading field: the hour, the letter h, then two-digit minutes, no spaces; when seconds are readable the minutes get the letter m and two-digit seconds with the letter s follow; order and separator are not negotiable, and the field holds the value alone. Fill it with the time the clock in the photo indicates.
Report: 11h52
